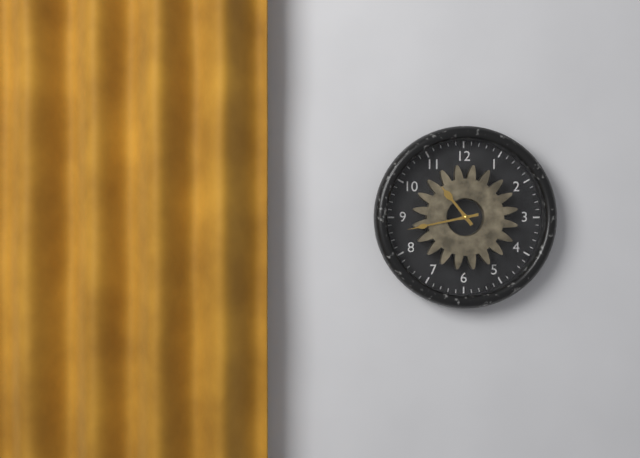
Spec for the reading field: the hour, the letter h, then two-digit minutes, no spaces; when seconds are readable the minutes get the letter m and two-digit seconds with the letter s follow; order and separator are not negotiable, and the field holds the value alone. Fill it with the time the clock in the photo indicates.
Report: 10h43
